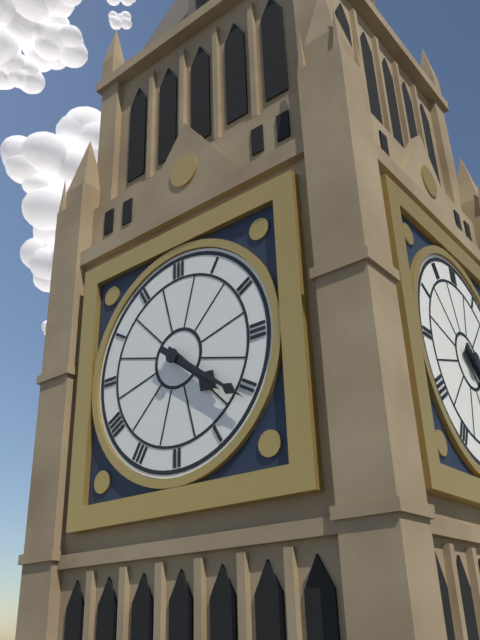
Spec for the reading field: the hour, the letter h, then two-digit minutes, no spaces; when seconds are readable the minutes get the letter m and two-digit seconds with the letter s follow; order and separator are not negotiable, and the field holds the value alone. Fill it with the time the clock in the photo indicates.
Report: 4h21
